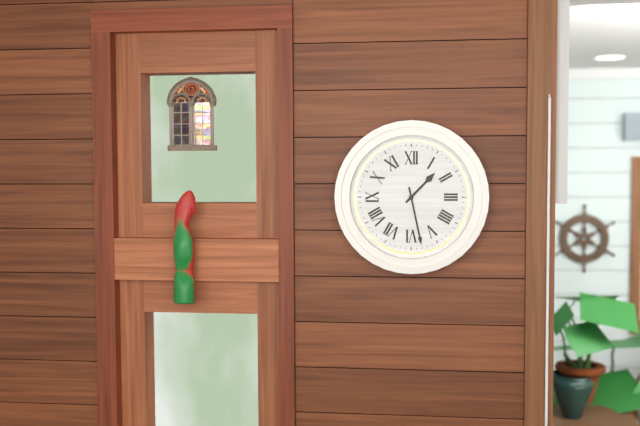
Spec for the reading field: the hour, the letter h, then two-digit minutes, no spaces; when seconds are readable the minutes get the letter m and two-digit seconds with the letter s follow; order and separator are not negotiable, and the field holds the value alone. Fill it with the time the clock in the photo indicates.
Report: 1h28
